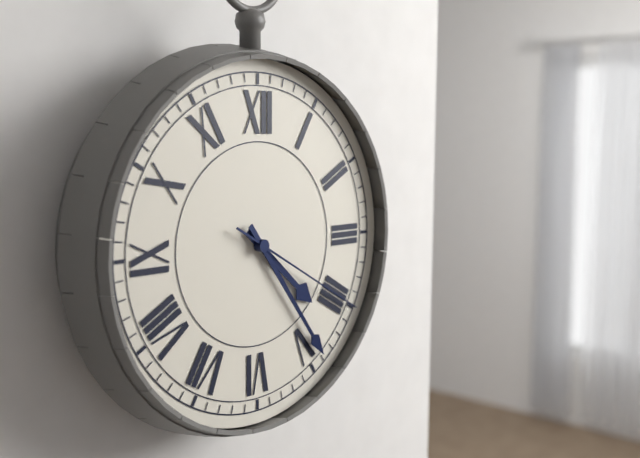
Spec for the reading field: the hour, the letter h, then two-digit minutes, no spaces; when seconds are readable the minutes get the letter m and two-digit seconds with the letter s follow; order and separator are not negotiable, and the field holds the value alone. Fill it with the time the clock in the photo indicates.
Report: 4h24m20s
